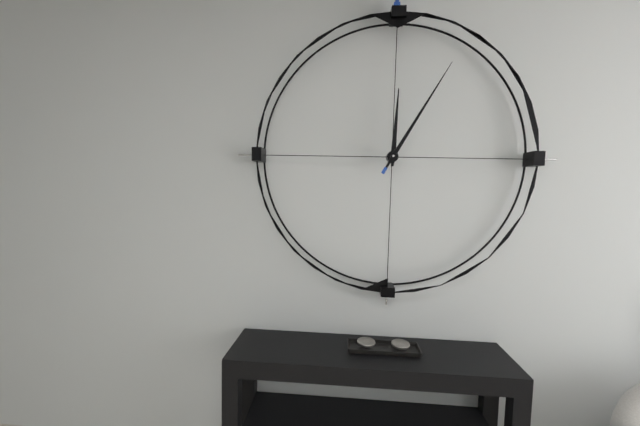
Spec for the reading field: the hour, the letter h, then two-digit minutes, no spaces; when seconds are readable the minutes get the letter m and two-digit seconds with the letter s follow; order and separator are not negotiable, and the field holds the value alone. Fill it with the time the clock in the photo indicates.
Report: 12h05
